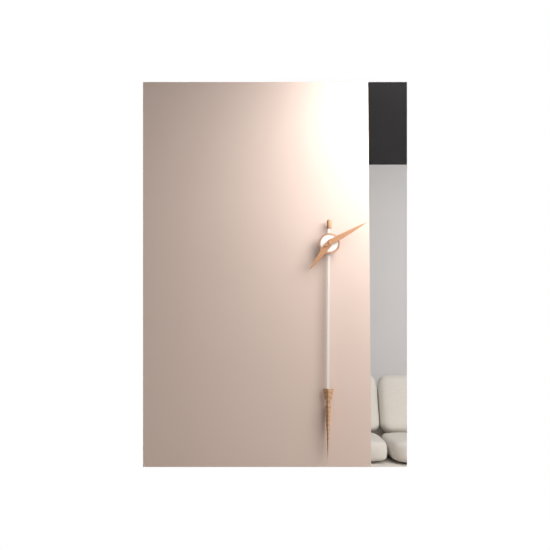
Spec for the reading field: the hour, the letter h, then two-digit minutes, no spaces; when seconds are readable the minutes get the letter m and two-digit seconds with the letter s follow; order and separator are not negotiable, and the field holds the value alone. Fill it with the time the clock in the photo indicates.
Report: 7h10
